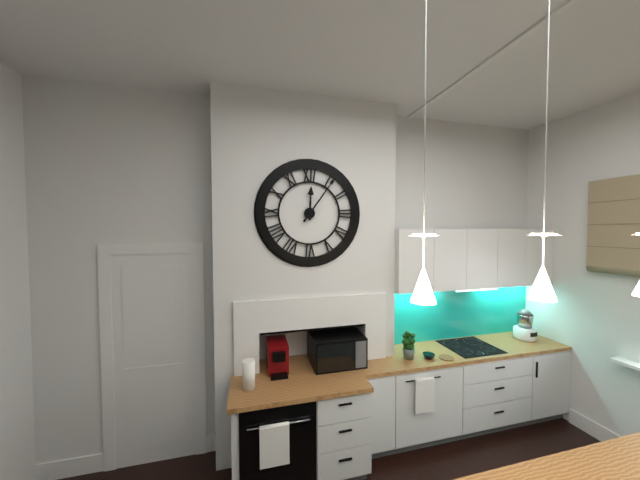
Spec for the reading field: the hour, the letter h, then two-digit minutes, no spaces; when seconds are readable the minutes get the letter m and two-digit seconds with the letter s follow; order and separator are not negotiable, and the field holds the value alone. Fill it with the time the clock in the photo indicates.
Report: 12h06
